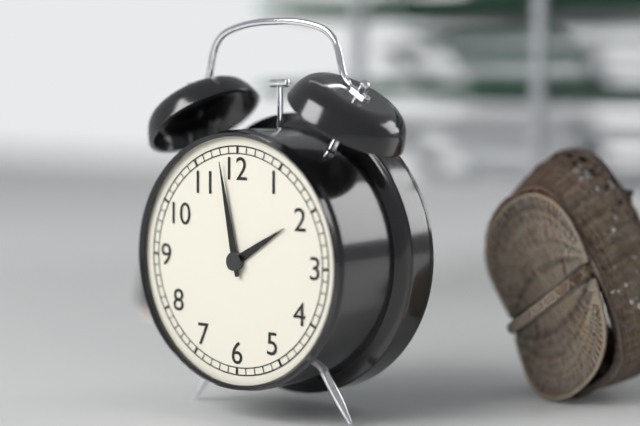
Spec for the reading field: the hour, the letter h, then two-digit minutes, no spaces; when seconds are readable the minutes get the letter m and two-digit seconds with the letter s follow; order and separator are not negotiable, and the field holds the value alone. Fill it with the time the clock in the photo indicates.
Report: 1h58
